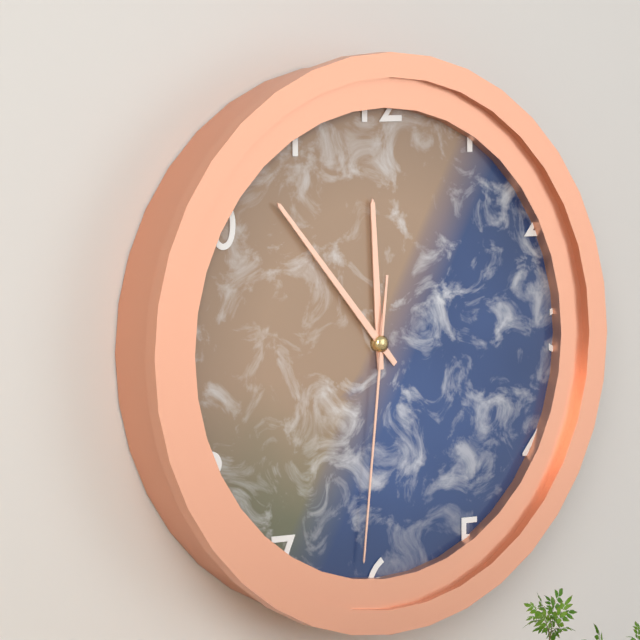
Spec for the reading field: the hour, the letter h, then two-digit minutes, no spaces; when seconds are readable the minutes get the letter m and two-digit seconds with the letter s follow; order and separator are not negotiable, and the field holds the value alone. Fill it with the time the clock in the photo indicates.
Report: 11h53m31s
